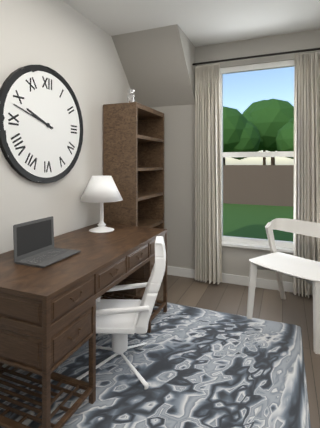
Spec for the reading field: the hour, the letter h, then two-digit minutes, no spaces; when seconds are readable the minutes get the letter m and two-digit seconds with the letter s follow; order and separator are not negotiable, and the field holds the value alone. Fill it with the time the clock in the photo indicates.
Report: 9h48
